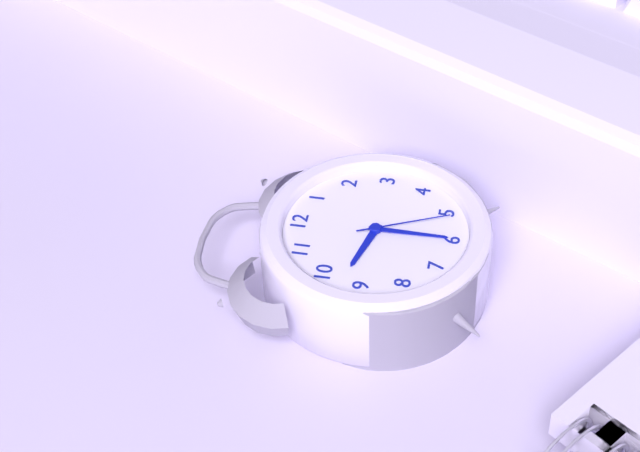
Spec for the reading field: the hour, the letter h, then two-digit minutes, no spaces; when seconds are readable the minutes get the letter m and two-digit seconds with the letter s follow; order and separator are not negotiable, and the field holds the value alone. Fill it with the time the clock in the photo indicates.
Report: 9h30m26s
